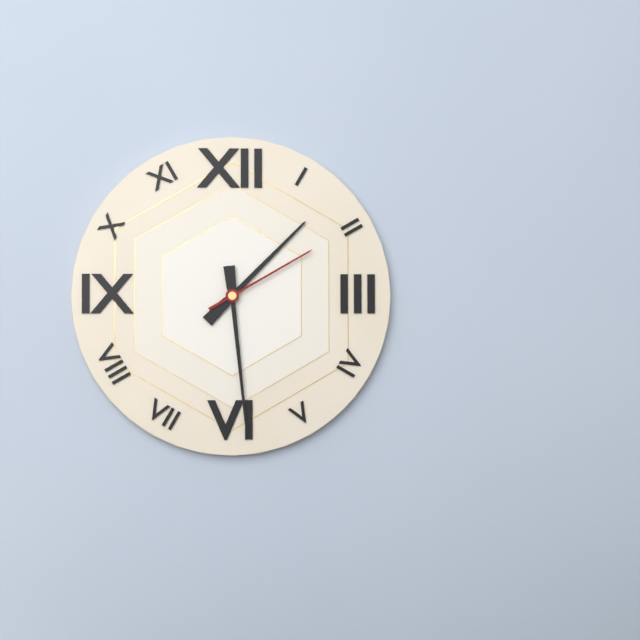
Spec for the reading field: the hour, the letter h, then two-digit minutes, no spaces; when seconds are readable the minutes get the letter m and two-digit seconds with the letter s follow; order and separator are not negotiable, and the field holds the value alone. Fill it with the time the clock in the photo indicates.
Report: 1h29m10s
